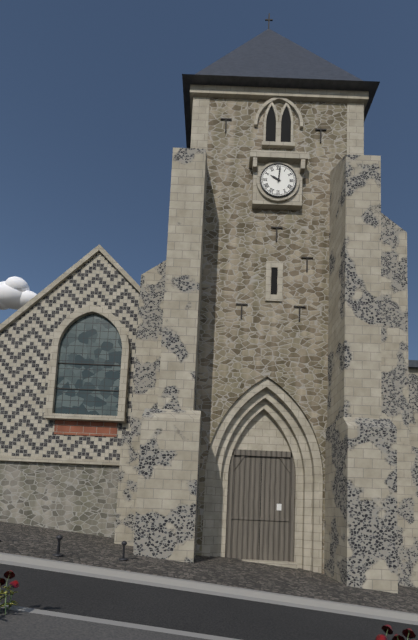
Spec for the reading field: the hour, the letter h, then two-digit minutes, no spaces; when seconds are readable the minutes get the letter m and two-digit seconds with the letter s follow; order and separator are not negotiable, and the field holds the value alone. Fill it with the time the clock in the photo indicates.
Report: 10h01
